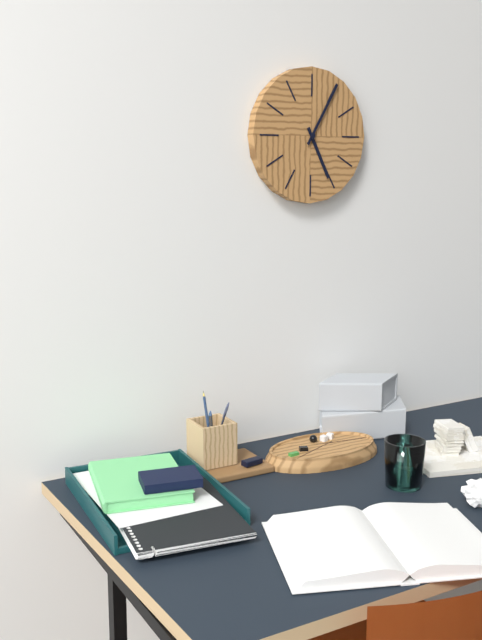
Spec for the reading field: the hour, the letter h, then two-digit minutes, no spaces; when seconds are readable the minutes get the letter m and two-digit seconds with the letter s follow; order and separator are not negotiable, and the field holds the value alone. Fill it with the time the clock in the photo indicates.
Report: 5h05
